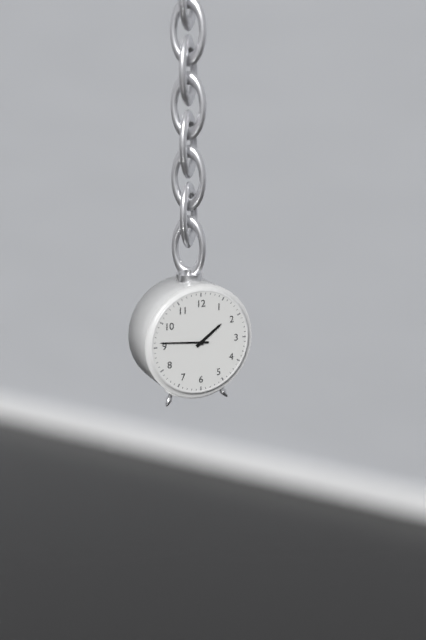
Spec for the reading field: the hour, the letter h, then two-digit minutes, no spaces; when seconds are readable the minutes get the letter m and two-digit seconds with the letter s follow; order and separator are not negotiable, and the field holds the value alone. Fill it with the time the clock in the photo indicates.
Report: 1h46
